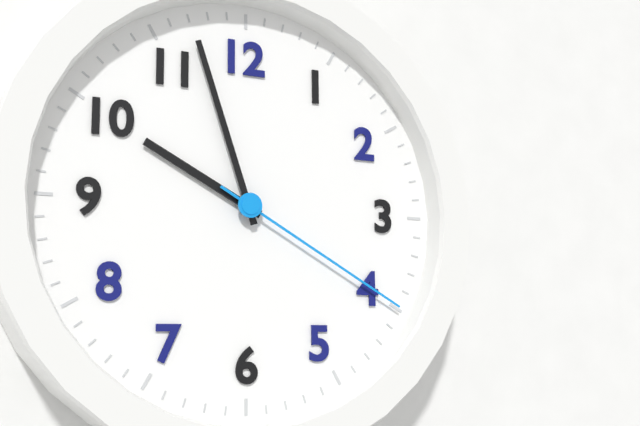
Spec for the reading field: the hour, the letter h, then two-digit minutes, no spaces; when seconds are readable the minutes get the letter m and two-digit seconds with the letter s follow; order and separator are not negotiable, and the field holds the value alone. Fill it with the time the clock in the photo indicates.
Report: 9h57m20s
